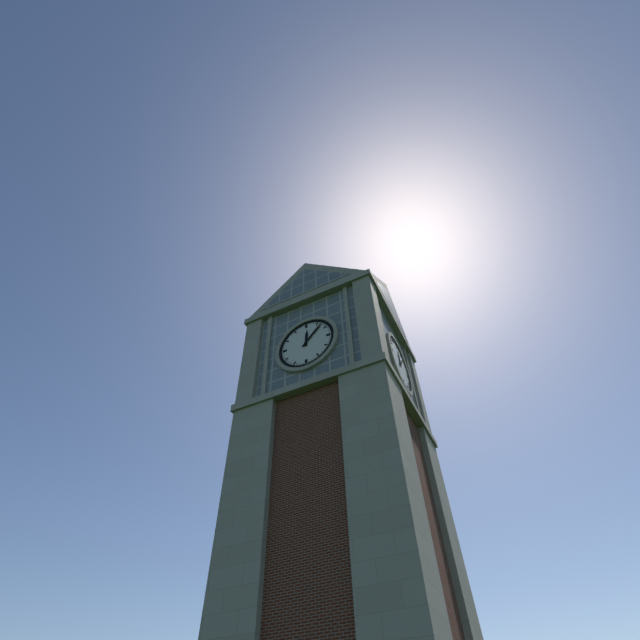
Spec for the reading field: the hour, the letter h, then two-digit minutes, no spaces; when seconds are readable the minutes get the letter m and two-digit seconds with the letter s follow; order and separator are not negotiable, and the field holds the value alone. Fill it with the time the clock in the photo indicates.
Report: 12h07
